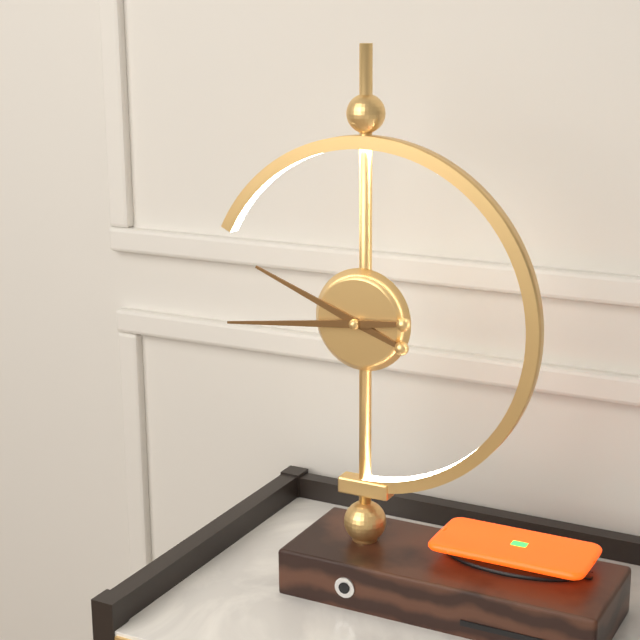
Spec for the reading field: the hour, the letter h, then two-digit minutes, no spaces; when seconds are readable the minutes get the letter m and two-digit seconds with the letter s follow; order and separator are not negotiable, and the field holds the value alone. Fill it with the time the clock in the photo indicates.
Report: 9h44
